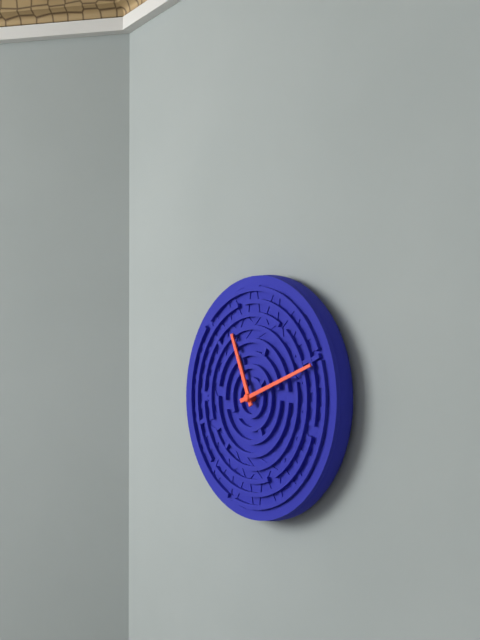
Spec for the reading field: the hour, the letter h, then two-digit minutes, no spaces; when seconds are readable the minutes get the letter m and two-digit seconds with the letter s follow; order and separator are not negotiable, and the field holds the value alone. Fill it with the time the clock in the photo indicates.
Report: 11h12
